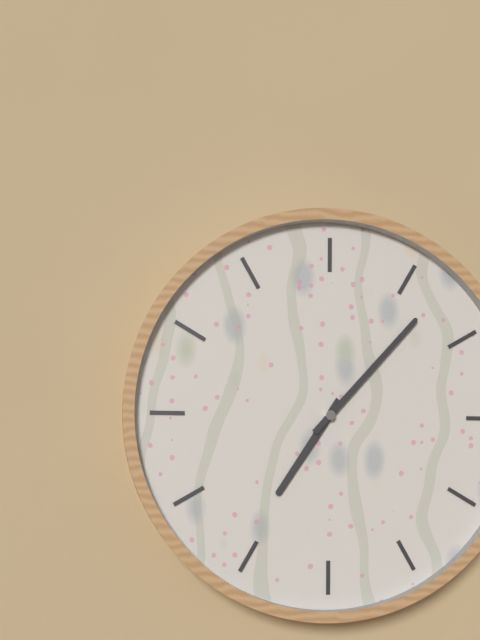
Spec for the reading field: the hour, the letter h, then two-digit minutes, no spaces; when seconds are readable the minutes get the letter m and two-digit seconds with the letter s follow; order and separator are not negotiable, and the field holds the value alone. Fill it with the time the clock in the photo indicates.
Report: 7h07
